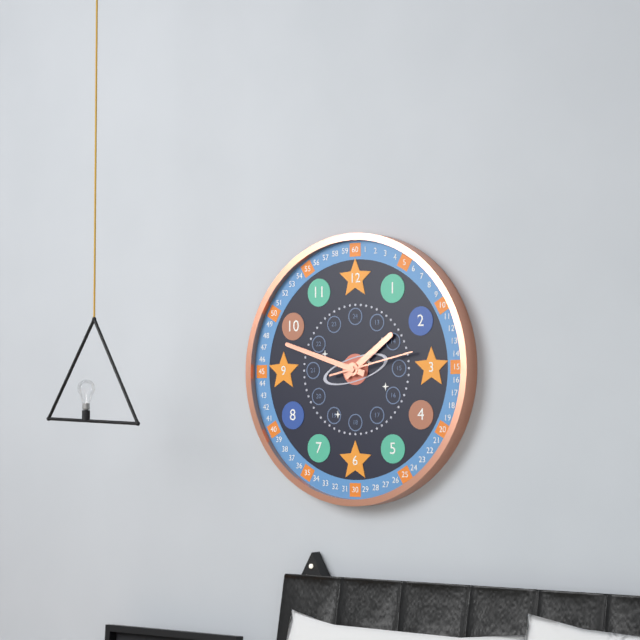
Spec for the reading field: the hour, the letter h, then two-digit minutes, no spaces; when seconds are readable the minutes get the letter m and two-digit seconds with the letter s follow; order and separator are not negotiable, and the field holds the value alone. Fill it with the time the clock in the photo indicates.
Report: 1h48m13s
